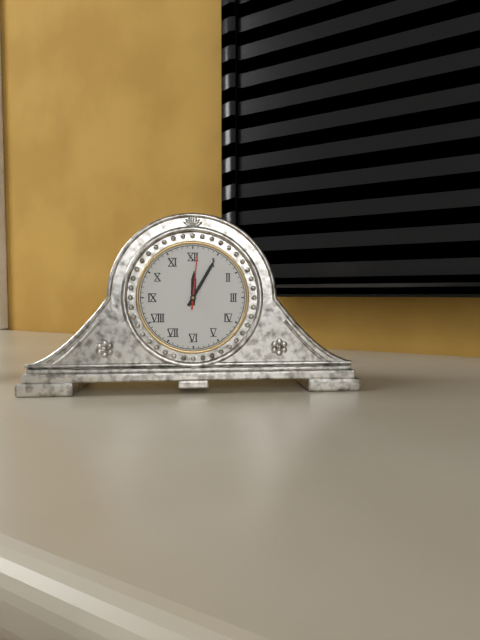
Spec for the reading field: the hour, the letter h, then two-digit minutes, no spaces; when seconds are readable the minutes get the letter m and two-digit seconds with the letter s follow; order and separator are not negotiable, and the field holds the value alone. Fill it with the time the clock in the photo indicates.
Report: 12h05m01s
